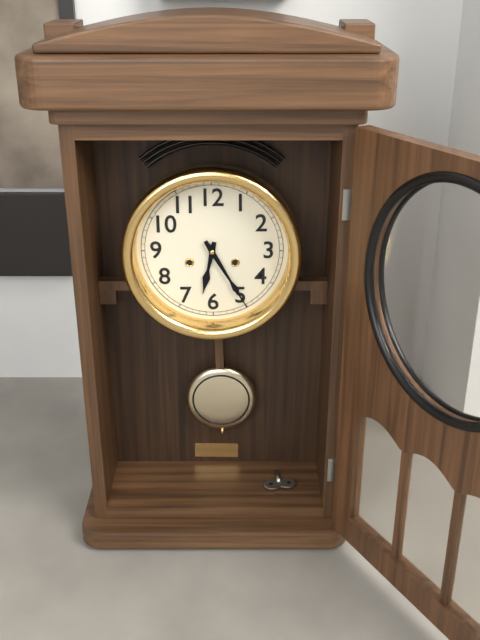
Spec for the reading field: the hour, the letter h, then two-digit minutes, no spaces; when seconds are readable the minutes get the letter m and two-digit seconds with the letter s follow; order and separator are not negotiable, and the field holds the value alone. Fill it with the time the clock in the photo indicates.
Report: 6h25
